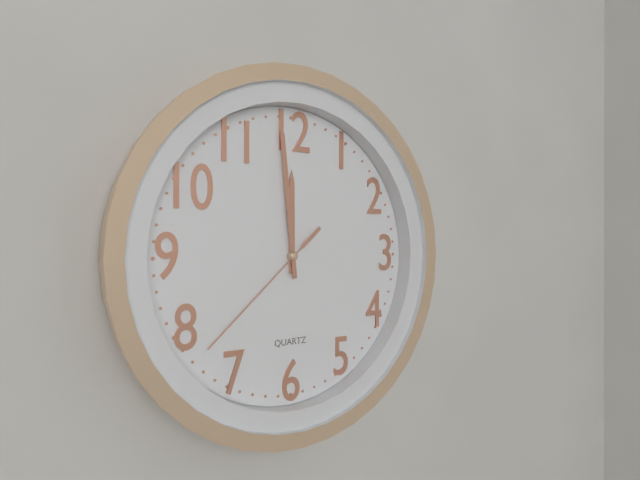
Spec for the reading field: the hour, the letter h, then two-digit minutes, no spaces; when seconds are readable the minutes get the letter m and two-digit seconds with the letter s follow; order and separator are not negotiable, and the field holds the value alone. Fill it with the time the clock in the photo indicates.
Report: 11h59m38s
